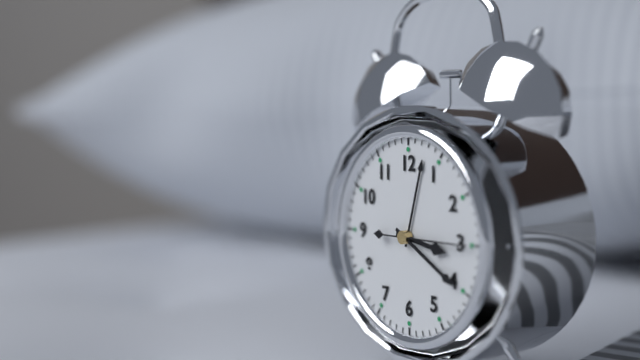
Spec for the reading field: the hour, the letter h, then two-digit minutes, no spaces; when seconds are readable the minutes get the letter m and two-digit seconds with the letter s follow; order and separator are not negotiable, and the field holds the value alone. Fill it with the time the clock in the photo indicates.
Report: 3h20m15s
